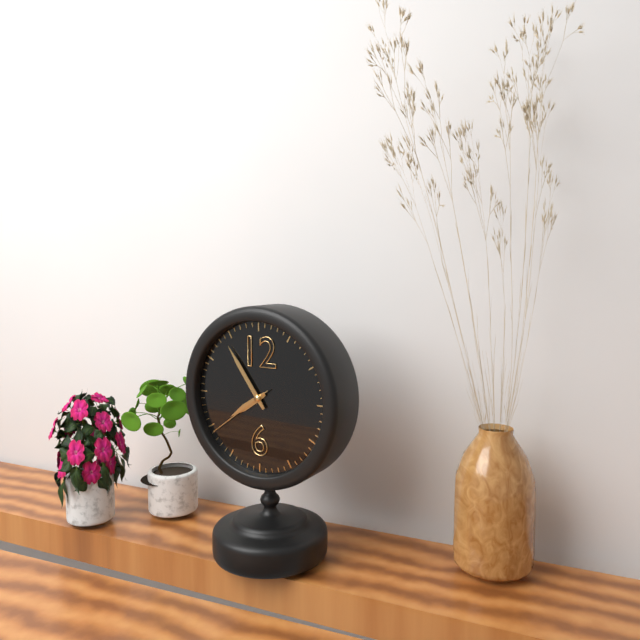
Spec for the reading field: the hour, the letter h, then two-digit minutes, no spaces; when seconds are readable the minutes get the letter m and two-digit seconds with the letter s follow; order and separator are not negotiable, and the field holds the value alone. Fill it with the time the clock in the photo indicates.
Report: 7h54m39s
